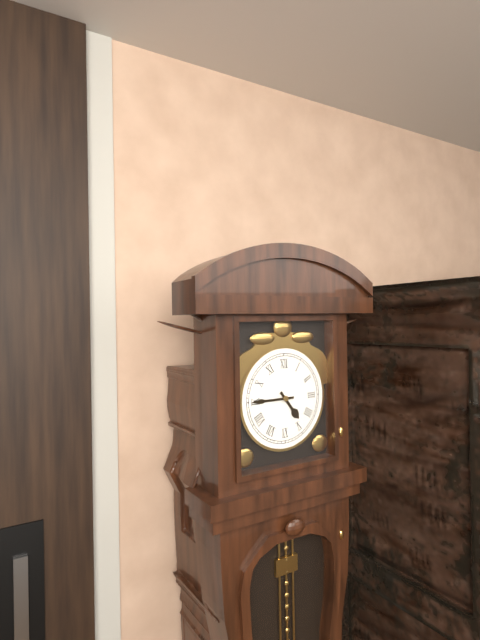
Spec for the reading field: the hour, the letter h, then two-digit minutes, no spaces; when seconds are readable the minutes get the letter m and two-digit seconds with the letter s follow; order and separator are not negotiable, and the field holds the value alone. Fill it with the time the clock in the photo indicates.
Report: 4h45
